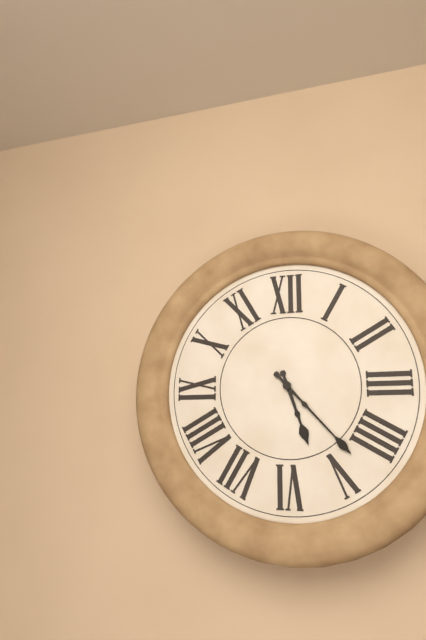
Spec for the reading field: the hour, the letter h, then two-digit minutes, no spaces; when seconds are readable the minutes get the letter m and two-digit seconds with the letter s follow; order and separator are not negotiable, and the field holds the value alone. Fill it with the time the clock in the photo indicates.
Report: 5h23
